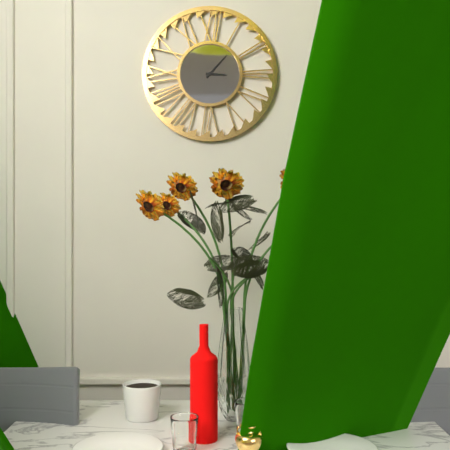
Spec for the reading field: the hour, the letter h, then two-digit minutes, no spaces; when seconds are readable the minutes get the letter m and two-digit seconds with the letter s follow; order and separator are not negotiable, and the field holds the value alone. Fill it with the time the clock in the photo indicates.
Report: 3h07
